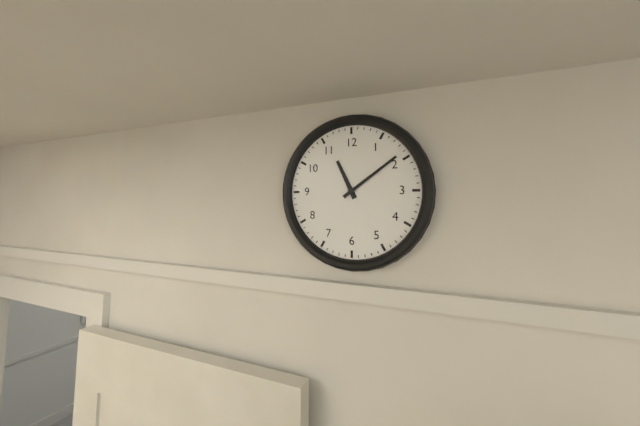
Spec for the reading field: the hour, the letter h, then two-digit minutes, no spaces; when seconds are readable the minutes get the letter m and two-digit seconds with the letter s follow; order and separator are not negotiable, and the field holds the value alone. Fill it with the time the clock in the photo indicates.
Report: 11h09
